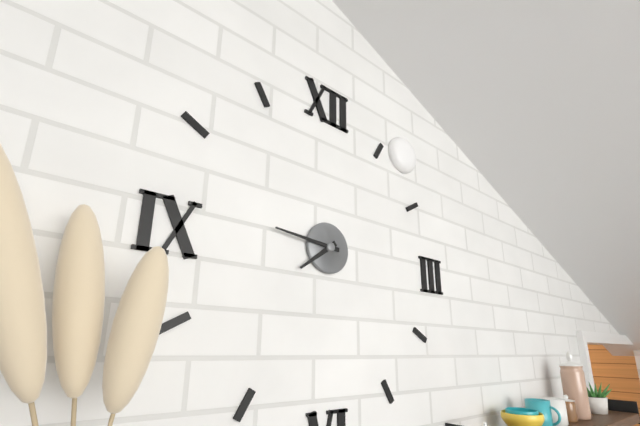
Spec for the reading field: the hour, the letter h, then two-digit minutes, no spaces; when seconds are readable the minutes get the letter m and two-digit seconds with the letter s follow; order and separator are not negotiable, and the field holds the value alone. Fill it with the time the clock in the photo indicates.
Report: 7h46
